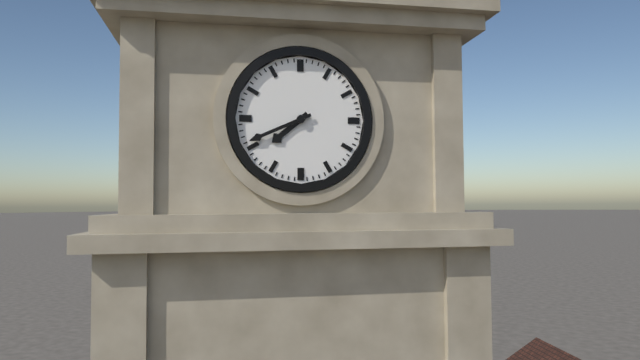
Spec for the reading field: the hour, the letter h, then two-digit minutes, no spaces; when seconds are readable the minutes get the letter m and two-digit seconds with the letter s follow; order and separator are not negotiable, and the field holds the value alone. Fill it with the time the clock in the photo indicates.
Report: 7h41
